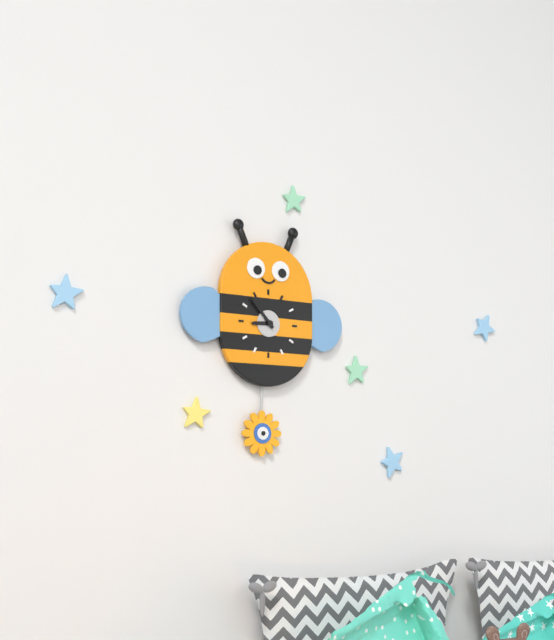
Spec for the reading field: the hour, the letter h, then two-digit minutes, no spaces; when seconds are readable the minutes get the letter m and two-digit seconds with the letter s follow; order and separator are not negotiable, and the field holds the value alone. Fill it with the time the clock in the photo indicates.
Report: 8h53
